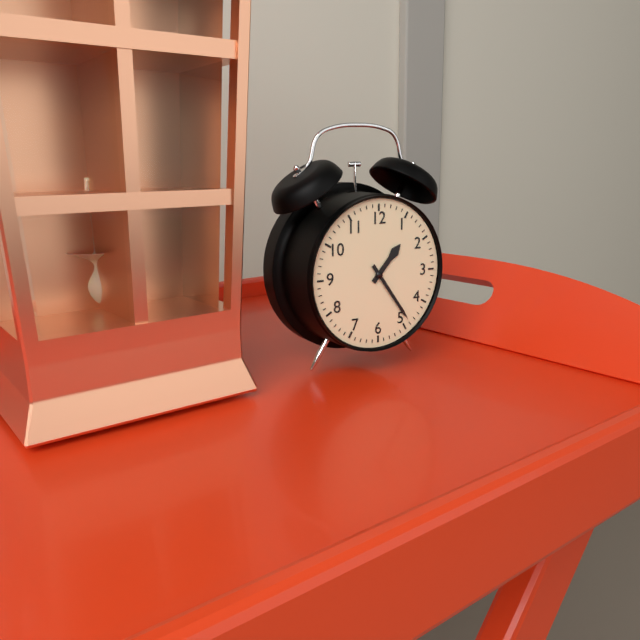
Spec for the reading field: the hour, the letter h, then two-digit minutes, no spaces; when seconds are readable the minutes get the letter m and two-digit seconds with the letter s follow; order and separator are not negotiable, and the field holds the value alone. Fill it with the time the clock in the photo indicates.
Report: 1h24
